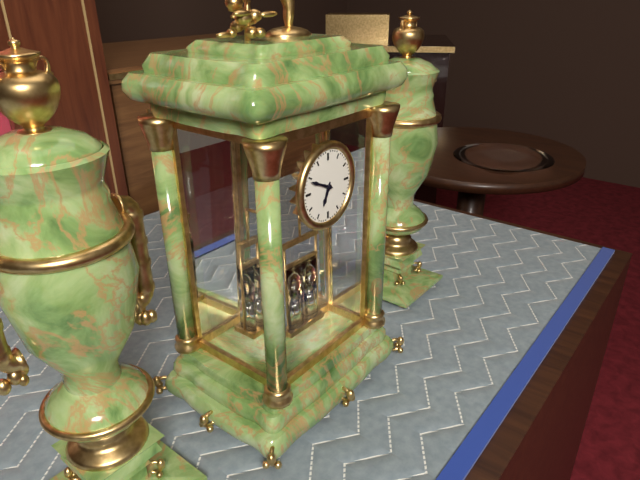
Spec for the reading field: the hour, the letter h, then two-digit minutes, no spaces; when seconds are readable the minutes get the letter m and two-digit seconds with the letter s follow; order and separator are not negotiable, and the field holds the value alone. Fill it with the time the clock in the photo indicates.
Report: 6h49
